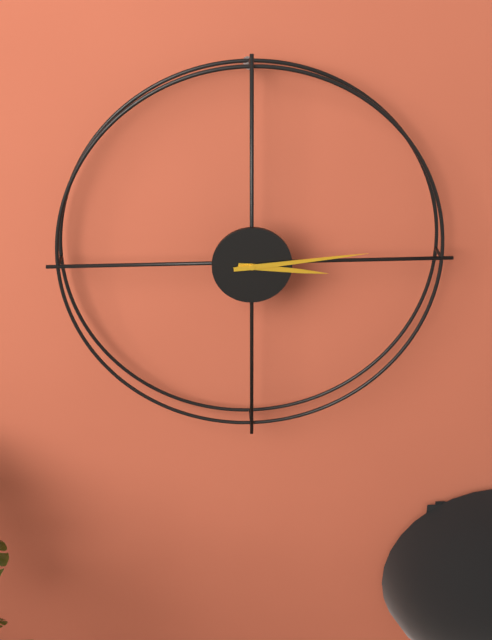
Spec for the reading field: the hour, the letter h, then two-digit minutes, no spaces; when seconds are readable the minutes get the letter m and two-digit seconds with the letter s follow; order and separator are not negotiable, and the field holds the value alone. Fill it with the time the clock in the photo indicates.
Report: 3h14
